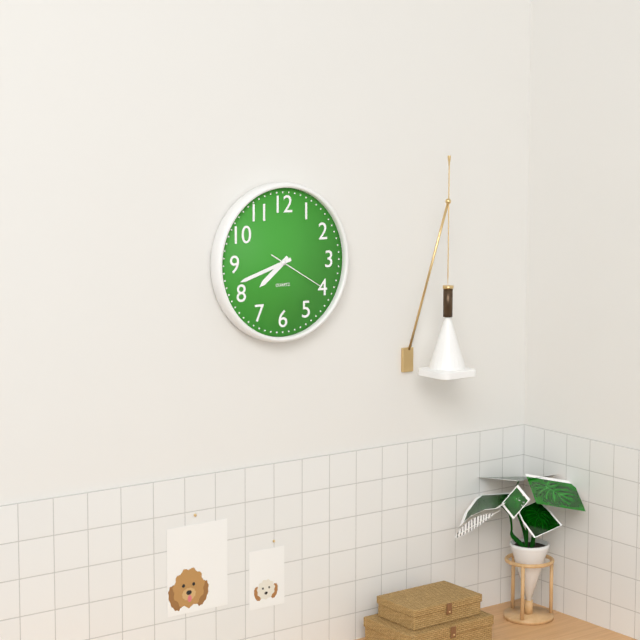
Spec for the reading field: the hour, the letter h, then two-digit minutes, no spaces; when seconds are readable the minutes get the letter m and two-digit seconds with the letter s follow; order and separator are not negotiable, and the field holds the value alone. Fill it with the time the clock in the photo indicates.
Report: 7h42m20s
